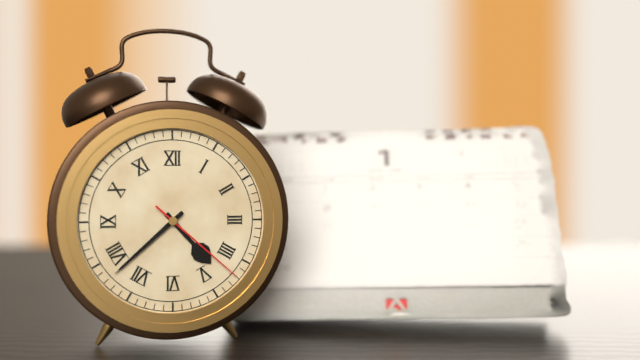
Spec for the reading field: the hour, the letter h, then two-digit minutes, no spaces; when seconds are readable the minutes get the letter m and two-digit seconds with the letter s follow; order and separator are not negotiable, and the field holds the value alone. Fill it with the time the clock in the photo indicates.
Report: 4h38m22s
